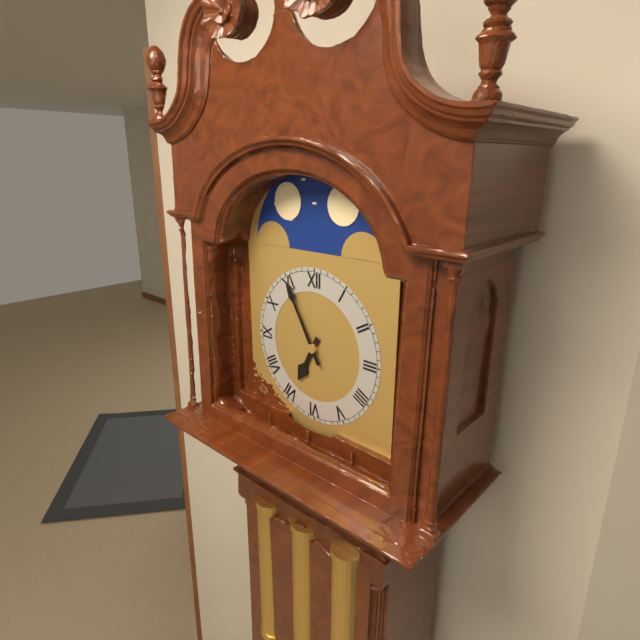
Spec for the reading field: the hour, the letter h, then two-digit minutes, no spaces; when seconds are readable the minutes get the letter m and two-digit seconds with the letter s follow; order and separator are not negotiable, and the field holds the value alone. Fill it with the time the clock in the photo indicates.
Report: 6h55
